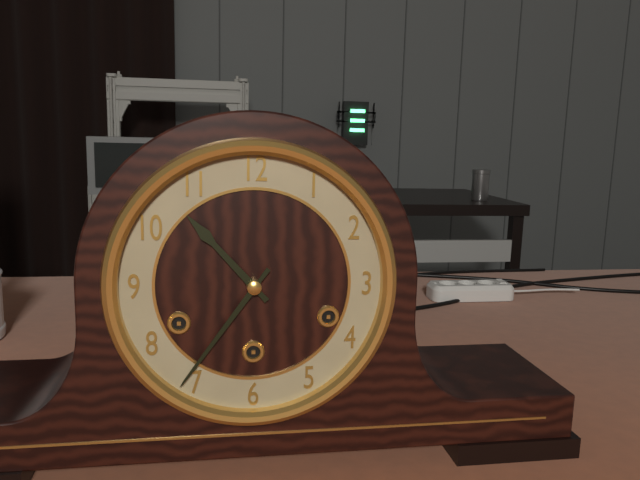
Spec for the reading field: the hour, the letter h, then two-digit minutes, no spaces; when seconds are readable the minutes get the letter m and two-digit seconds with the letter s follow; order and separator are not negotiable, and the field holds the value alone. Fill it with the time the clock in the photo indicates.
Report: 10h36
